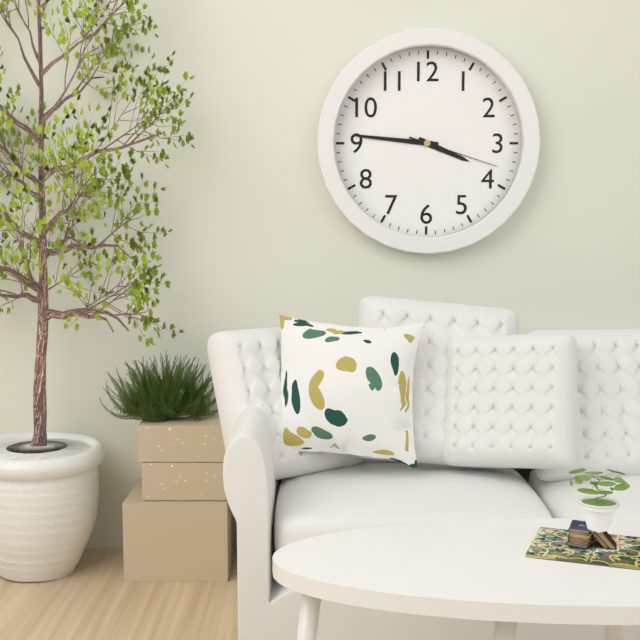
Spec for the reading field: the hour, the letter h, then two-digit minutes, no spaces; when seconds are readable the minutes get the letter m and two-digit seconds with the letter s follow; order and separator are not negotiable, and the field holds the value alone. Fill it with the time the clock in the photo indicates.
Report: 3h46m18s
